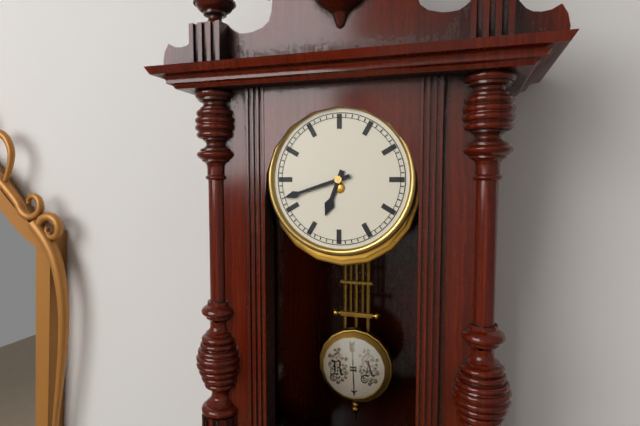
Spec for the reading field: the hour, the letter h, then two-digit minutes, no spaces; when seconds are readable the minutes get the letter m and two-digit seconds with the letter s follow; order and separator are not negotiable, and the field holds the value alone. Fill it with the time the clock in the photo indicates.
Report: 6h42
